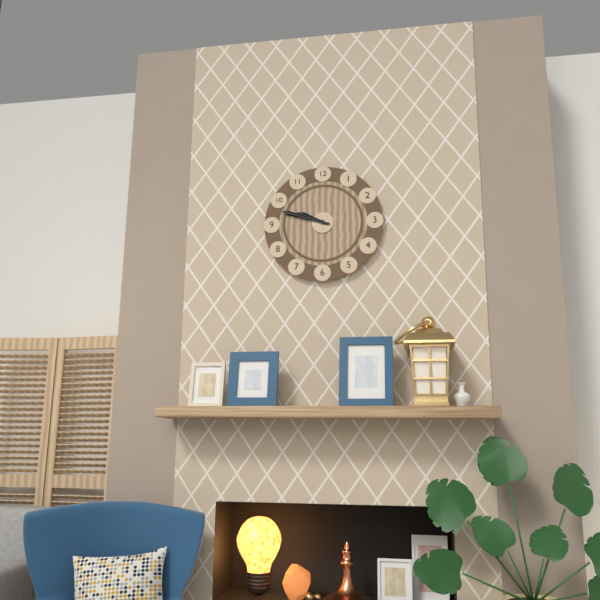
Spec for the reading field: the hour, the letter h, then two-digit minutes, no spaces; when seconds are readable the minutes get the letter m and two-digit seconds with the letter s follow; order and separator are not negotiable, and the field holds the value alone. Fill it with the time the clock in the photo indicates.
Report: 9h48
